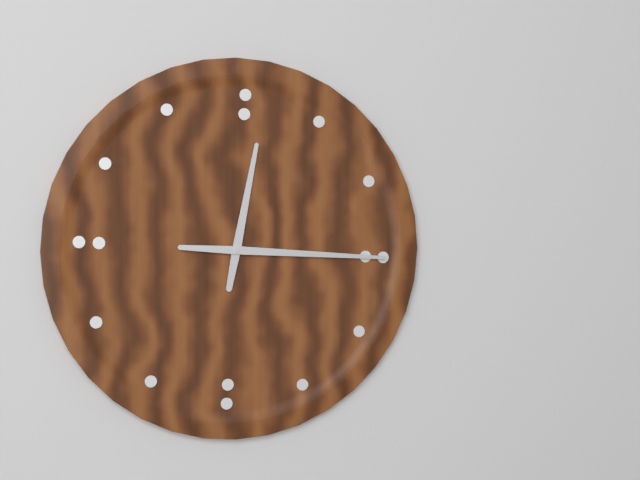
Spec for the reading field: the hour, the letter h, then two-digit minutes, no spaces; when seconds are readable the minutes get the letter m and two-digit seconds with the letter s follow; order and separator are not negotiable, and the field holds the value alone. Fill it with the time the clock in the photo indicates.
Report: 12h15
